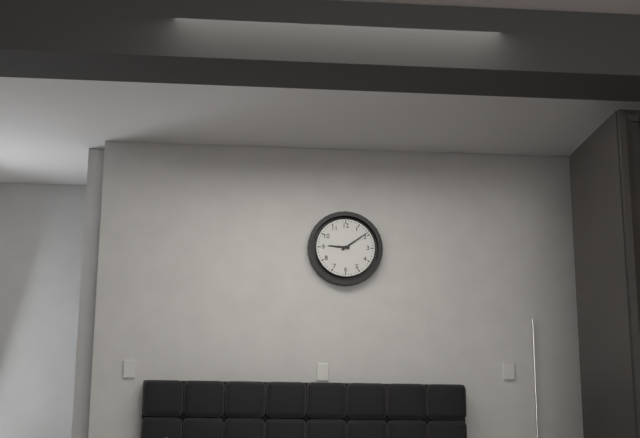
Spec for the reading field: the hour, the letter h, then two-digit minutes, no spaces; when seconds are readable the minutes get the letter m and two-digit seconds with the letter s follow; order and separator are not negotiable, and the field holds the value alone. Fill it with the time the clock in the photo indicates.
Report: 9h09
